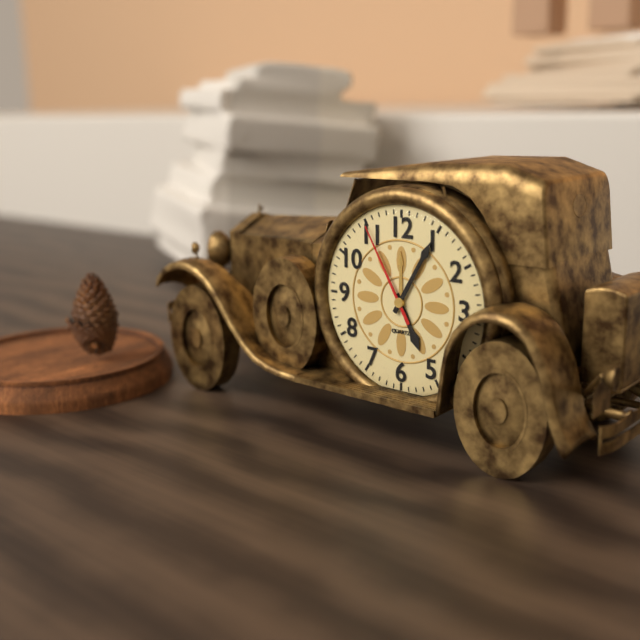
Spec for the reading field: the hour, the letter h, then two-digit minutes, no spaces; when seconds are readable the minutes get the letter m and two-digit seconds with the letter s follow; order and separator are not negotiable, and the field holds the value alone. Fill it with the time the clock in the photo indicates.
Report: 5h05m55s
